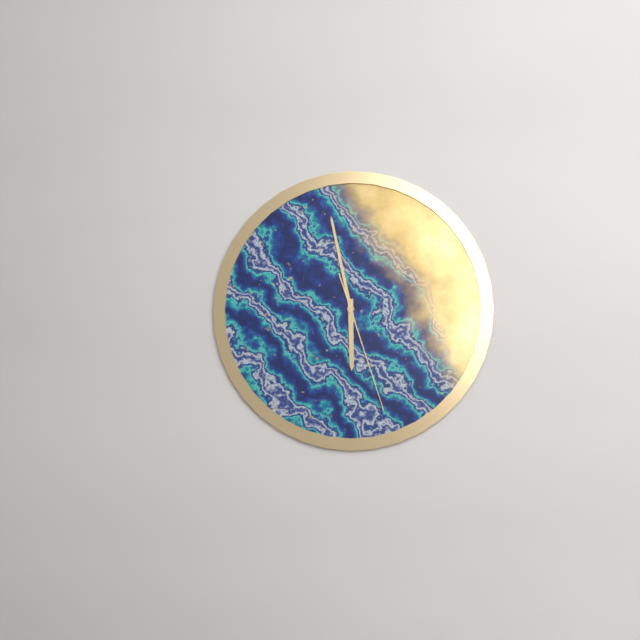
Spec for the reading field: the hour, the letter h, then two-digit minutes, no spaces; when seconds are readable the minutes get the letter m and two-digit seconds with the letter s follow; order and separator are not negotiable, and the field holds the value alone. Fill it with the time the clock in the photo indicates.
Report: 5h58m27s
